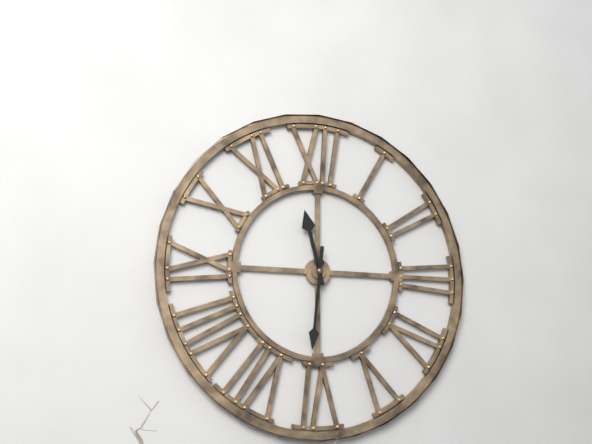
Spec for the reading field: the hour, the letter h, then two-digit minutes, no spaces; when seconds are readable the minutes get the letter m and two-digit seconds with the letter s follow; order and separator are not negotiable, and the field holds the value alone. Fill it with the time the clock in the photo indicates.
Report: 11h31
